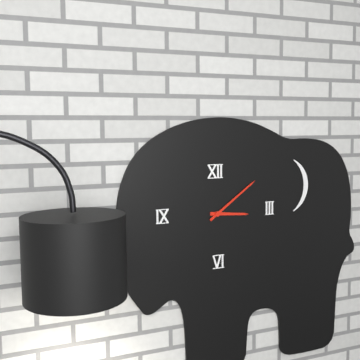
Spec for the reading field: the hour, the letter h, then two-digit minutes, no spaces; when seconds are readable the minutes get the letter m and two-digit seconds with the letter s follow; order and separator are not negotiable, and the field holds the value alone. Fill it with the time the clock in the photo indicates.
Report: 3h09
